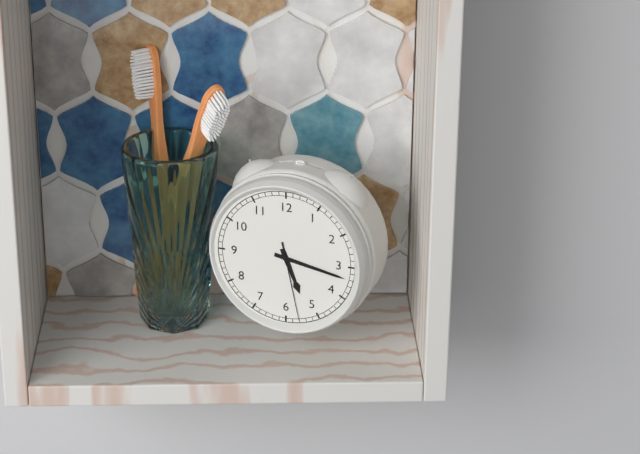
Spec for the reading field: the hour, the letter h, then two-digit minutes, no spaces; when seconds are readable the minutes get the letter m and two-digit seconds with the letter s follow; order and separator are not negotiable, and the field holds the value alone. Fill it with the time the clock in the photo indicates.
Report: 5h17m28s
